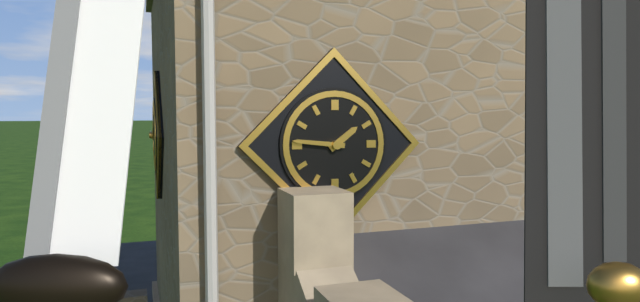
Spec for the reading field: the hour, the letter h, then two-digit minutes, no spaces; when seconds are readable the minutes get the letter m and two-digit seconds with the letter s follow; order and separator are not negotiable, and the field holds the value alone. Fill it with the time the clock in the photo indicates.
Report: 1h46
